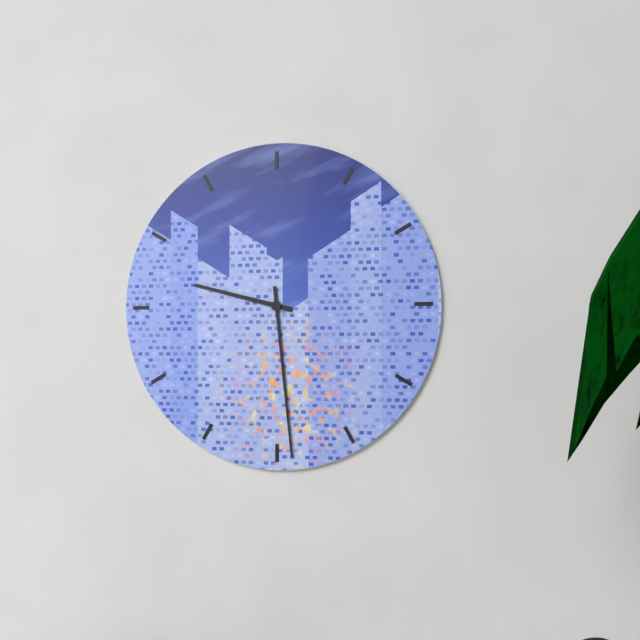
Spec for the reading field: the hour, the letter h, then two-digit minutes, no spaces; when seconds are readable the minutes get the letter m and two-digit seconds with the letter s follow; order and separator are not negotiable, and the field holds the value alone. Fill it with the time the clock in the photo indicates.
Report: 9h29
